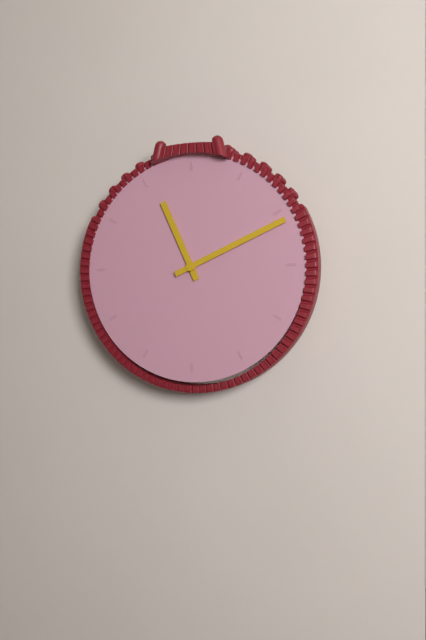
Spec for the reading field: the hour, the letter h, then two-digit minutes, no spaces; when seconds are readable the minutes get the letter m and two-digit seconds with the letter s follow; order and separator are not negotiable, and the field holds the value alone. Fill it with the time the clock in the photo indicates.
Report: 11h11
